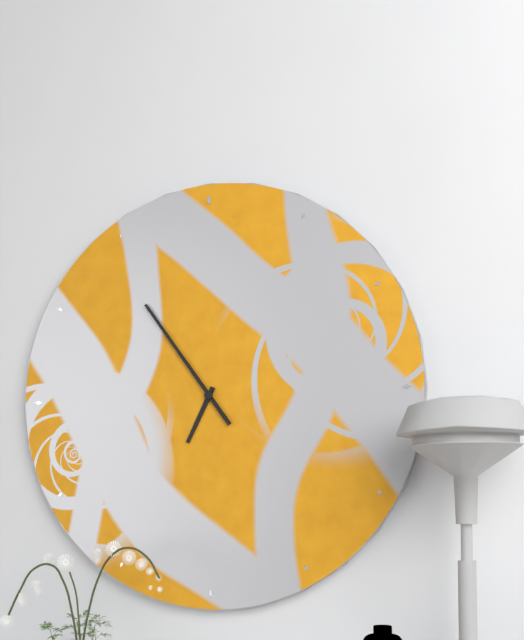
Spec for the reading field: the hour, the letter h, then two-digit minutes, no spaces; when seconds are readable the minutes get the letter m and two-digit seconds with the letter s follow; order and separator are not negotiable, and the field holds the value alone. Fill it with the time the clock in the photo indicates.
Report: 6h54
